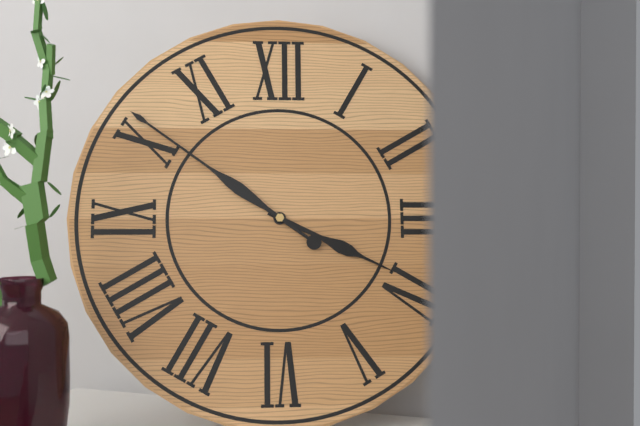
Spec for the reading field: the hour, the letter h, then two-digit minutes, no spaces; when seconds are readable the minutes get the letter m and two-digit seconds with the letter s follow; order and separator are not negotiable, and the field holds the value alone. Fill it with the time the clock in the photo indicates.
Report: 3h51
